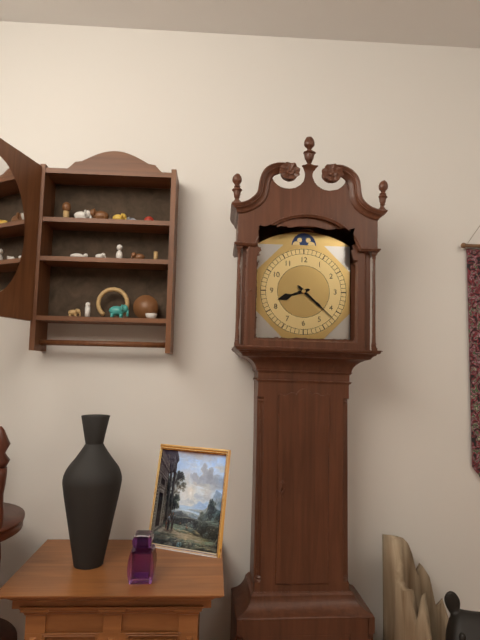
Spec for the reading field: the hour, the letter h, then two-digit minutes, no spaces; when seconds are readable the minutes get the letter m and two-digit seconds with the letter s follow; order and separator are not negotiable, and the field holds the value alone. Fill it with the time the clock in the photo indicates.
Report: 8h22
